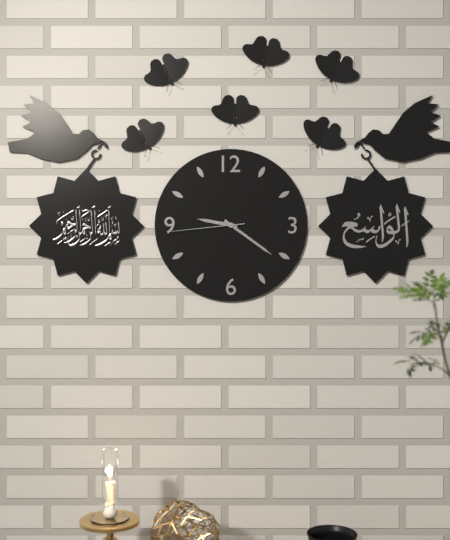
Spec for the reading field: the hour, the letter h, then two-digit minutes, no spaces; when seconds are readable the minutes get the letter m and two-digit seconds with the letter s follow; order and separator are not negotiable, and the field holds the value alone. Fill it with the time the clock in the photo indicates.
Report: 9h21m44s
